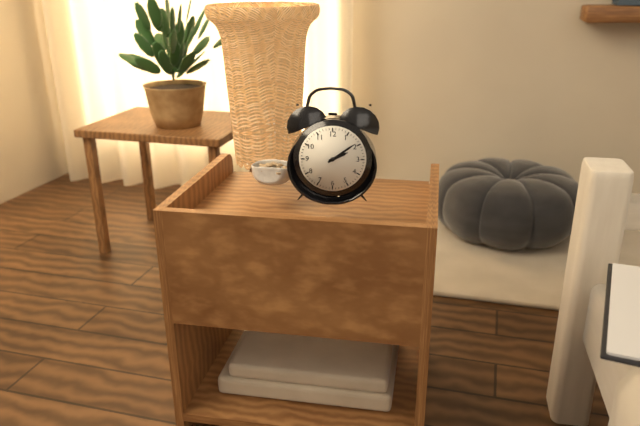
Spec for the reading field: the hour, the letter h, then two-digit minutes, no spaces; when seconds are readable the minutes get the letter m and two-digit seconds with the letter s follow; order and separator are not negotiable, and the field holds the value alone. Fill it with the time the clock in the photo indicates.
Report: 2h09
